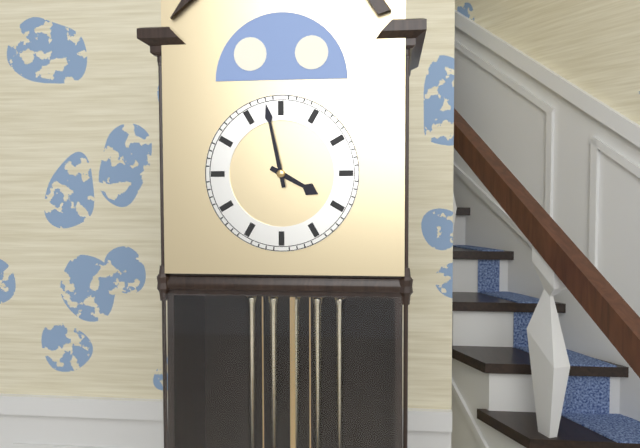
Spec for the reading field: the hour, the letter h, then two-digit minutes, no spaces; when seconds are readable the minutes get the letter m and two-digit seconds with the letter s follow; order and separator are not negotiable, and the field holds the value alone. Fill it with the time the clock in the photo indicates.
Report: 3h58
